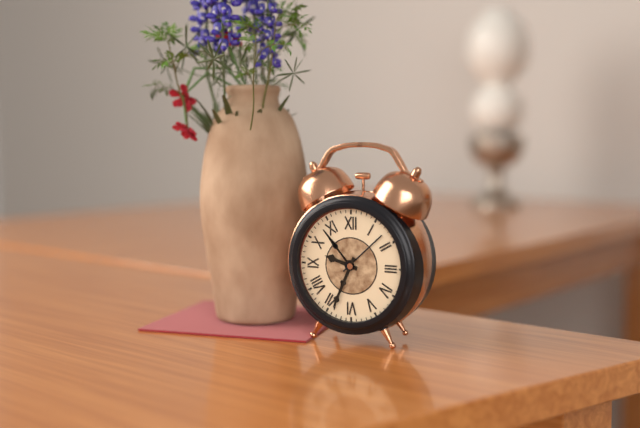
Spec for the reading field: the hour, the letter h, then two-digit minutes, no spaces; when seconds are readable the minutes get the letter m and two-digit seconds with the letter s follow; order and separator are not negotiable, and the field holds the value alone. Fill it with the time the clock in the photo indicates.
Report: 9h34
